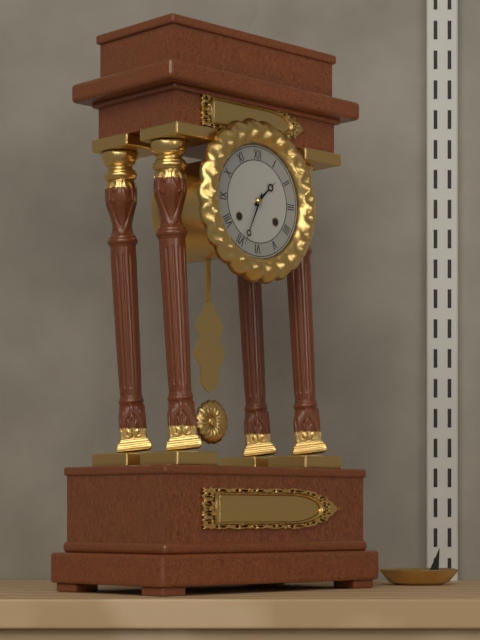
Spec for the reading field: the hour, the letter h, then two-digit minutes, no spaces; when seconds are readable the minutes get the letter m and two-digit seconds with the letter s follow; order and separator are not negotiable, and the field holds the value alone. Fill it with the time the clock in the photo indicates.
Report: 1h34
